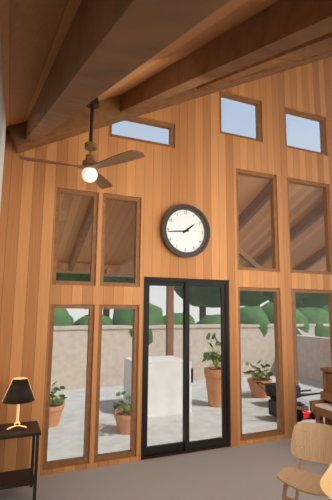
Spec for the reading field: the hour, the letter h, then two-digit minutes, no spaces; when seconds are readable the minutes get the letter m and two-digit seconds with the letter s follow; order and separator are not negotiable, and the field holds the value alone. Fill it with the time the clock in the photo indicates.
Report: 1h44
